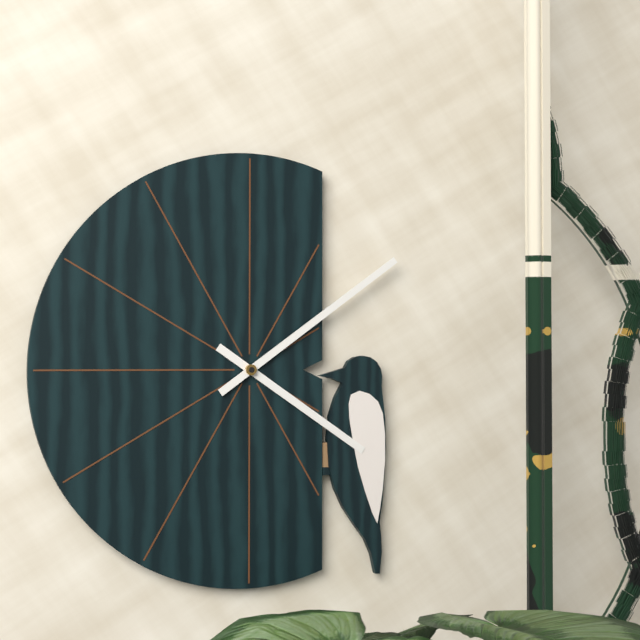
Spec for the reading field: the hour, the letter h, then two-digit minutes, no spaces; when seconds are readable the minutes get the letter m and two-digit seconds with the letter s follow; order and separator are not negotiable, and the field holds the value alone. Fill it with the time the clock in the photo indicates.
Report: 4h09
